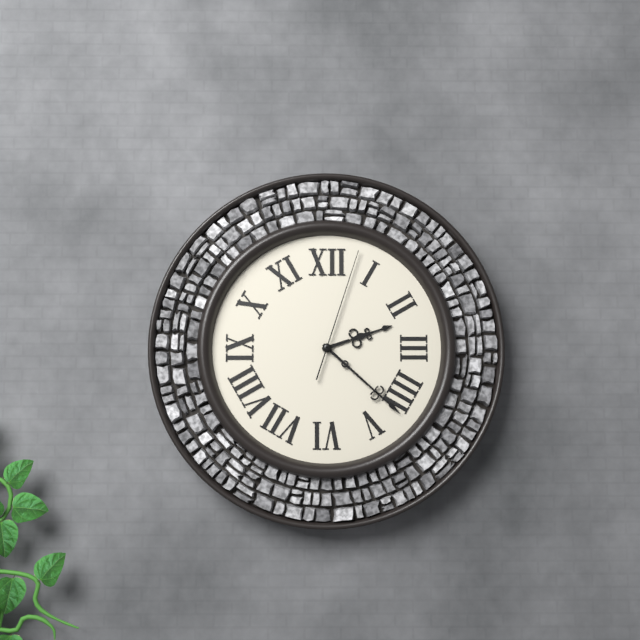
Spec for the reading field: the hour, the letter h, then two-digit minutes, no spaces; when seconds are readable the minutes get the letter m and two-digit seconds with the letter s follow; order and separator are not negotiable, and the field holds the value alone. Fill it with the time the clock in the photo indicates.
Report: 2h22m03s
